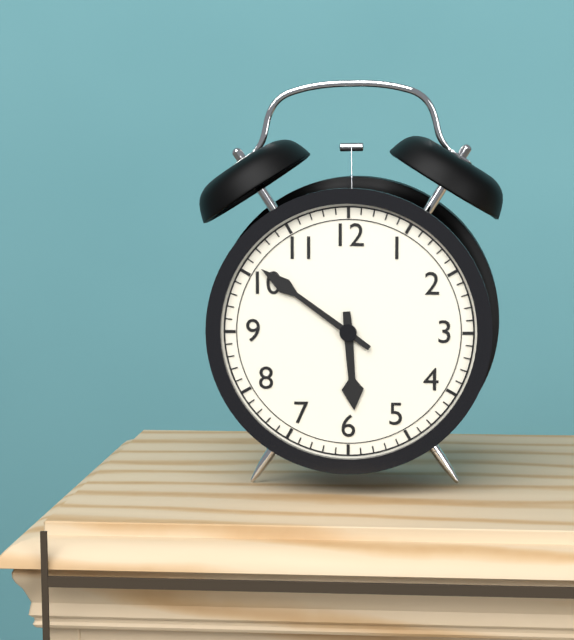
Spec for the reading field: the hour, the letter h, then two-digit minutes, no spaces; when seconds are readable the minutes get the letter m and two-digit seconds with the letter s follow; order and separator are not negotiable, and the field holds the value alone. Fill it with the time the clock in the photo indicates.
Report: 5h51
